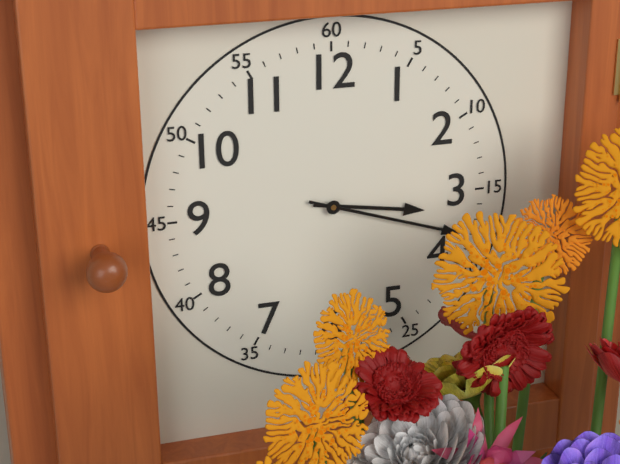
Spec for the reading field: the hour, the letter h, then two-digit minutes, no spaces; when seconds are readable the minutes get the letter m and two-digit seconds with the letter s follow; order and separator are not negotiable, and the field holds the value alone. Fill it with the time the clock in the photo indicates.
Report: 3h18
